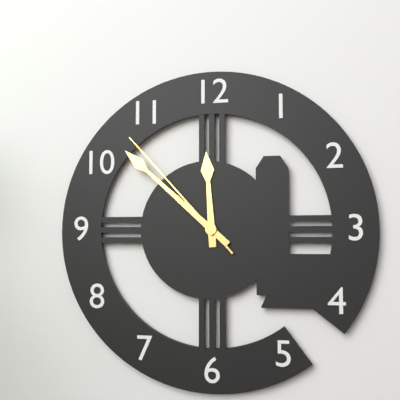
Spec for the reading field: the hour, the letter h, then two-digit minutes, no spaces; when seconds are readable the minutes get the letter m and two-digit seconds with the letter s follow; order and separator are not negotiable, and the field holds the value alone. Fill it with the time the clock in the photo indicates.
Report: 11h52m53s
